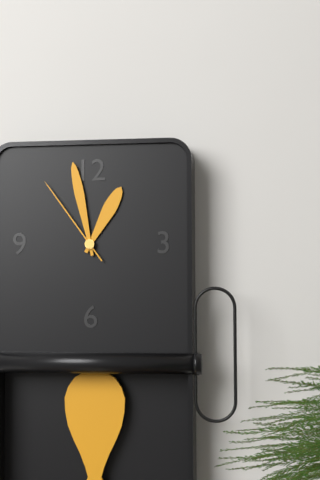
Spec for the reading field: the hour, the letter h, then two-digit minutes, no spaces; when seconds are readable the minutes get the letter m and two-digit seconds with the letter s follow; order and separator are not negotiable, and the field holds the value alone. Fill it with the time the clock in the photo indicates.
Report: 12h58m54s
